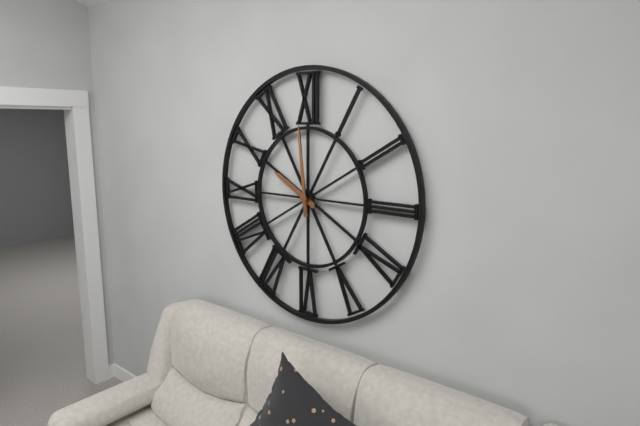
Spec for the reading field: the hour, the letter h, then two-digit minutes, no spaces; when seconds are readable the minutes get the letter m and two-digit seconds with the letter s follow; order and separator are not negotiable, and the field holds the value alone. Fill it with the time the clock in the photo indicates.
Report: 9h59
